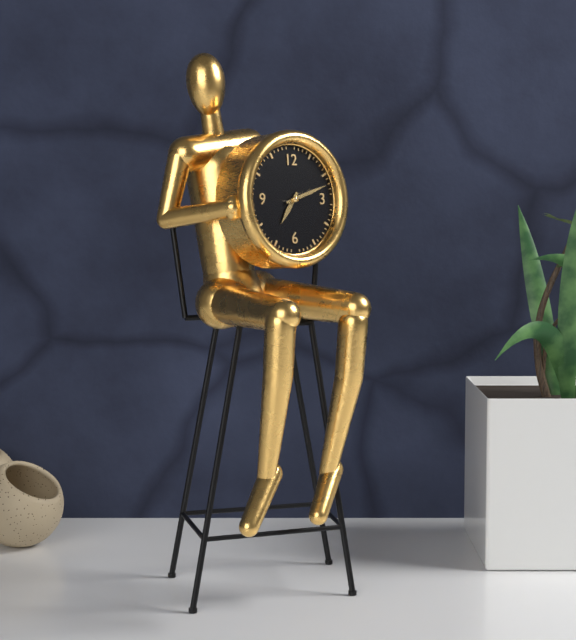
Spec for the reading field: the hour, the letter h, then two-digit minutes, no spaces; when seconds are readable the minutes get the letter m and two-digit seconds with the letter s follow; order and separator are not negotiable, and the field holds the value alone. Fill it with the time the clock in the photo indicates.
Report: 7h12
